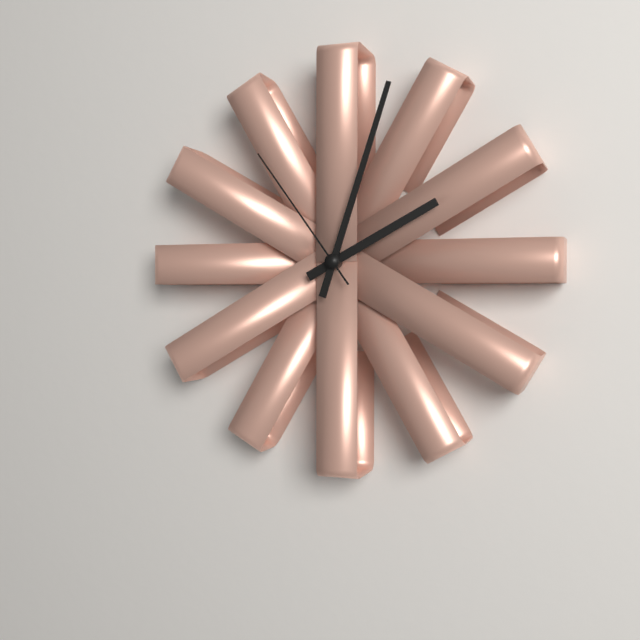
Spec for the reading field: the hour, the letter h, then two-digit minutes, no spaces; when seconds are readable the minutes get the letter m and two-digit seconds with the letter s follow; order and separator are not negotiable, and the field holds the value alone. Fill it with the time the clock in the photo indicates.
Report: 2h03m54s
